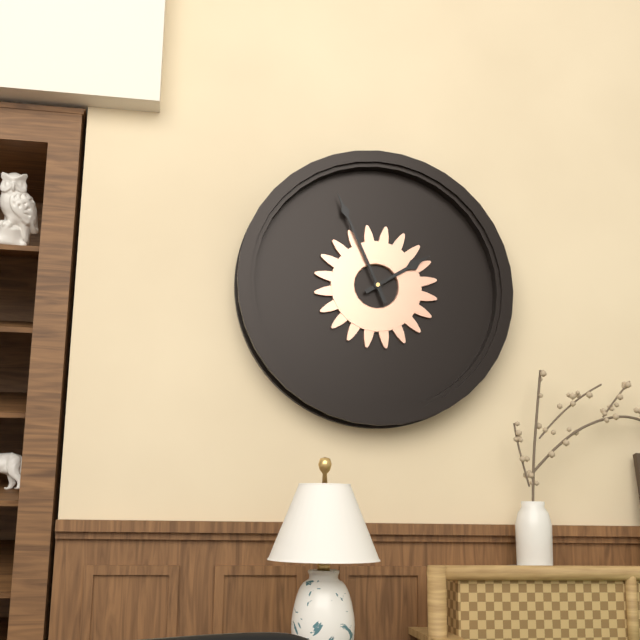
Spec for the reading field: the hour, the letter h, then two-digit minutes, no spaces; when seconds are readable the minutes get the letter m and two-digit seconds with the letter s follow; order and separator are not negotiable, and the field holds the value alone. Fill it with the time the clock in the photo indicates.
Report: 1h56
